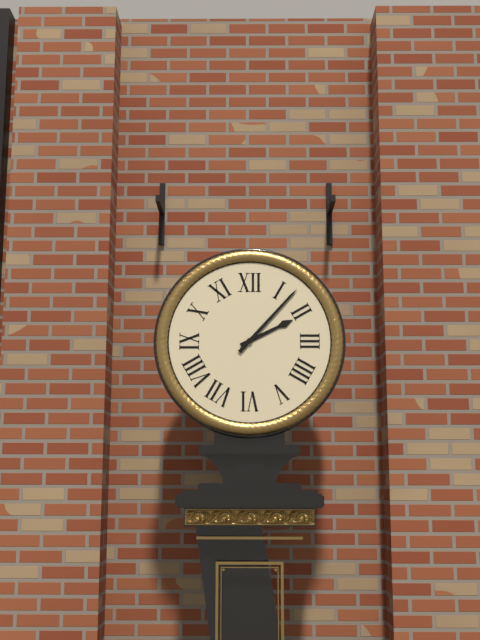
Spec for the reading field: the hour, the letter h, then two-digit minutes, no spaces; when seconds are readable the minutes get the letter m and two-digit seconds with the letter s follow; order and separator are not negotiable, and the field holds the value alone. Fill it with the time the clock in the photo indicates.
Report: 2h07
